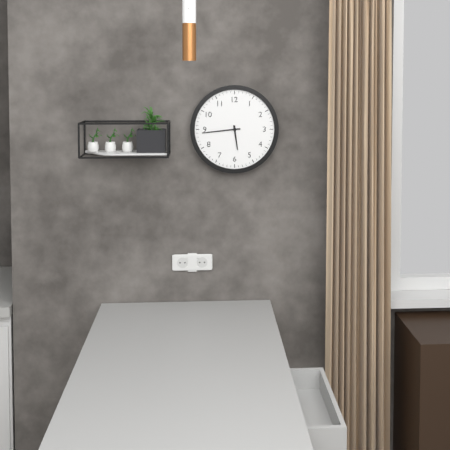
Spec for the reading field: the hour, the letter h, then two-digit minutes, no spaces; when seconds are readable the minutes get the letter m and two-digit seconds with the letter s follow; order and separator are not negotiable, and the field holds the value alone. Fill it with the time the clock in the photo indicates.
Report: 5h44
